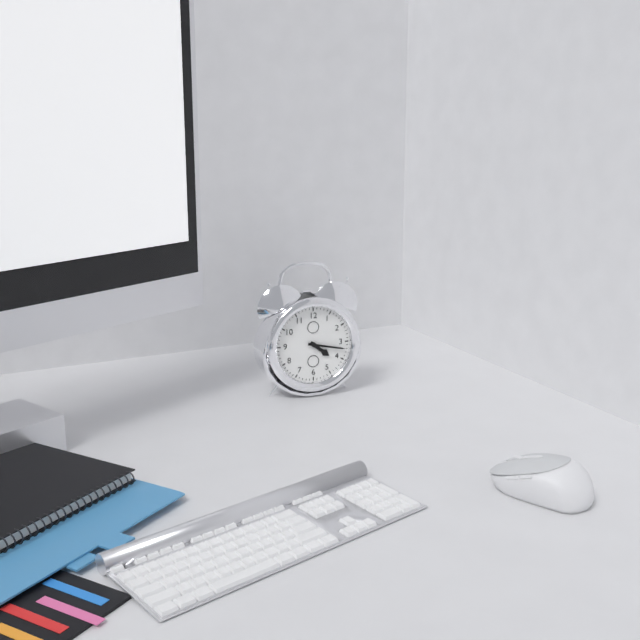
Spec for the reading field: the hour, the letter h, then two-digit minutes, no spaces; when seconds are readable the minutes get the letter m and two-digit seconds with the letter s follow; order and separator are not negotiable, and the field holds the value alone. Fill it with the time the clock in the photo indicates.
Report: 4h17
